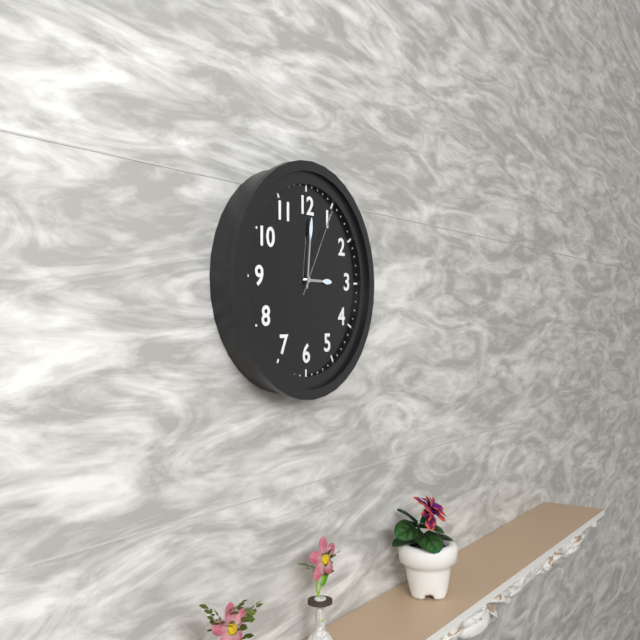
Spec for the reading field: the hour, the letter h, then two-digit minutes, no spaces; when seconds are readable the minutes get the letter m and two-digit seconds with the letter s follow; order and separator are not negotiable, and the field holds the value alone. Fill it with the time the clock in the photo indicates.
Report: 3h01m05s
